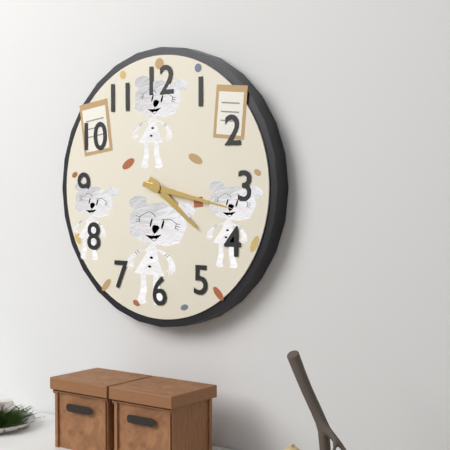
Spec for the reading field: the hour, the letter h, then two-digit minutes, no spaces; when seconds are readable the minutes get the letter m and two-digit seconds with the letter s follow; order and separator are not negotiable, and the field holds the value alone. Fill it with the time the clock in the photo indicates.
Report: 4h17
